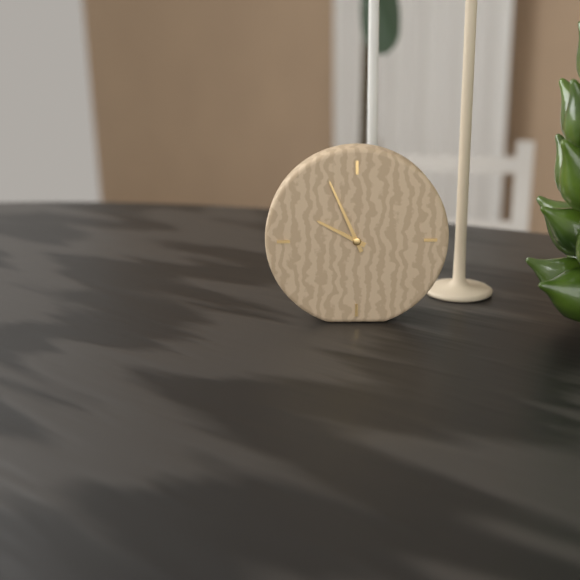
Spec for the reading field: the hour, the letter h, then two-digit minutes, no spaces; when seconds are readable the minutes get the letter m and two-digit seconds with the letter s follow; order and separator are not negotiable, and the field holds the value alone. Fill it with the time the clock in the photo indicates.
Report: 9h56
